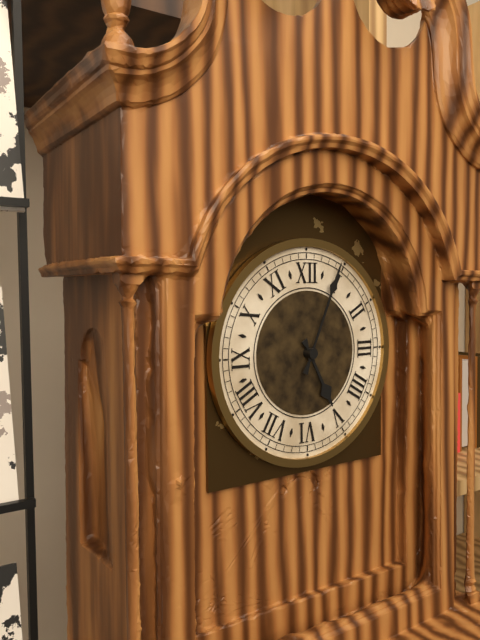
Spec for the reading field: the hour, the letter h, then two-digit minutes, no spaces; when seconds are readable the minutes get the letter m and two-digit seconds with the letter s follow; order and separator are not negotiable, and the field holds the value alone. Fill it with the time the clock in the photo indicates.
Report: 5h04
